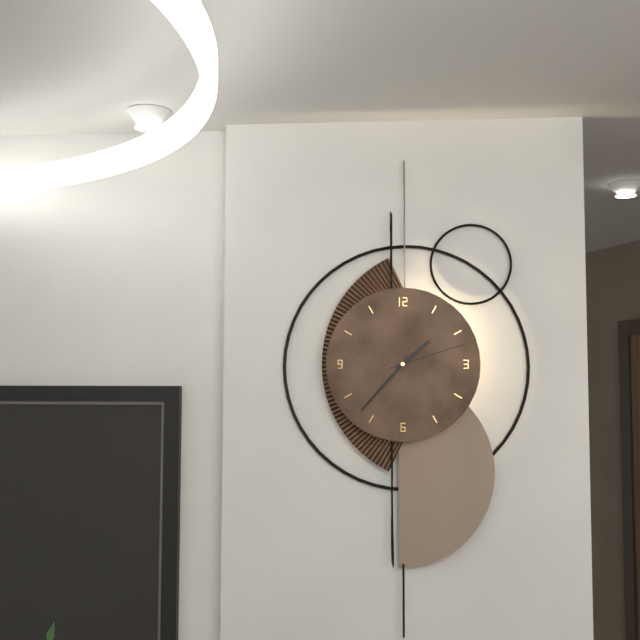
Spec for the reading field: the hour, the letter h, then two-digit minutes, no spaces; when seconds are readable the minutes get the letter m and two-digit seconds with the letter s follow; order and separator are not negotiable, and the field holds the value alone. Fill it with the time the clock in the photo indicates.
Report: 1h37m12s
